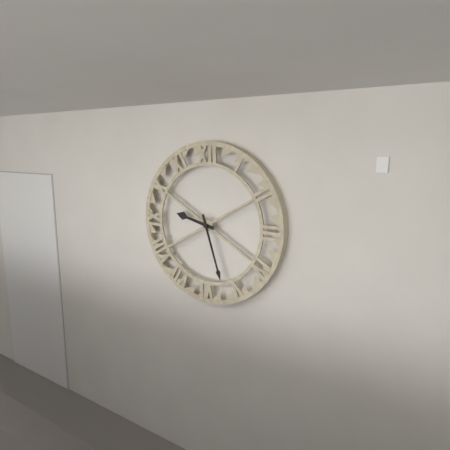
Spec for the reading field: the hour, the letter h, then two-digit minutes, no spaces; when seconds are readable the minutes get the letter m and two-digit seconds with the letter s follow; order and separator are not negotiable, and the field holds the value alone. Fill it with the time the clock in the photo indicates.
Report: 9h27
